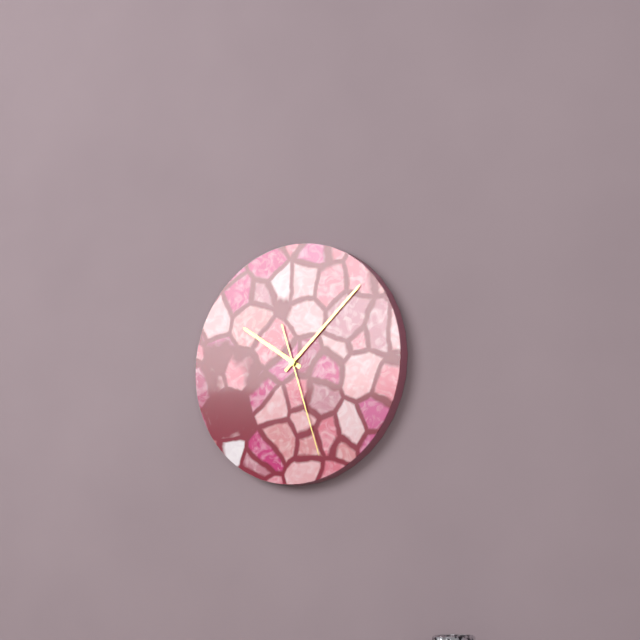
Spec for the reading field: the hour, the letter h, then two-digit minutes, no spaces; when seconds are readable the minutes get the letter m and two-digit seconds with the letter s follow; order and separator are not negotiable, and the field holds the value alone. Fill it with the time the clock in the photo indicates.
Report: 10h08m27s
